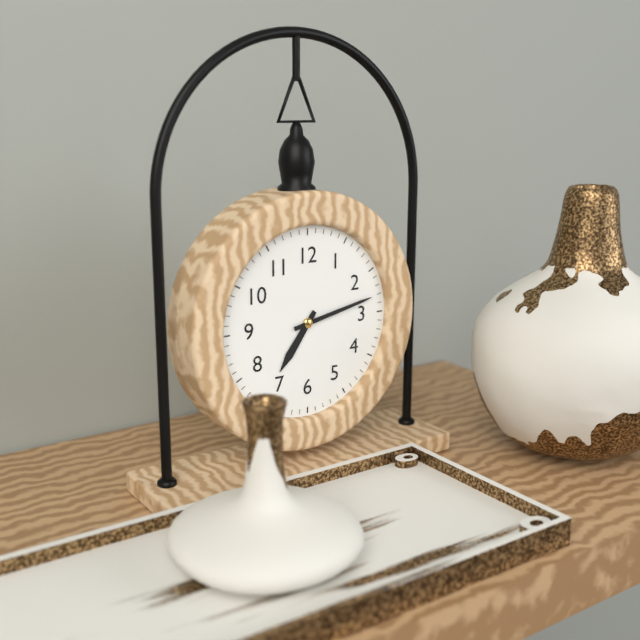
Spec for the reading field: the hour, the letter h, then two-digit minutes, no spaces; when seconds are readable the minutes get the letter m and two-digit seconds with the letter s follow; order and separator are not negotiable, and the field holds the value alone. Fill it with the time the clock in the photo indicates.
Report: 7h13
